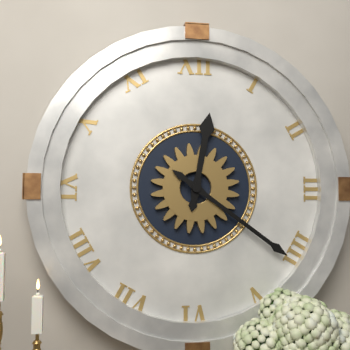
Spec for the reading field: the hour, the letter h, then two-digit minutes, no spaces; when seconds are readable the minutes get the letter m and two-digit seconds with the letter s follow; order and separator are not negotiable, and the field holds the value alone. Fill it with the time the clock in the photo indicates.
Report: 12h21
